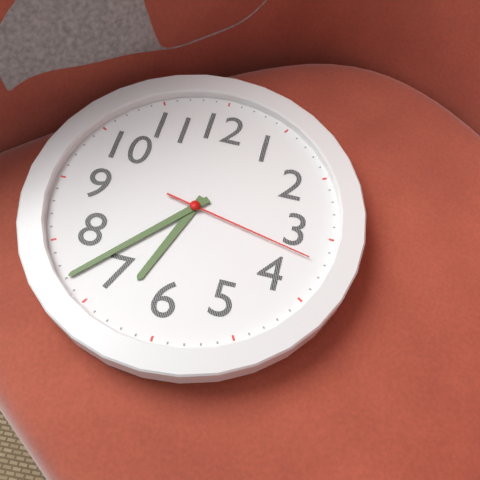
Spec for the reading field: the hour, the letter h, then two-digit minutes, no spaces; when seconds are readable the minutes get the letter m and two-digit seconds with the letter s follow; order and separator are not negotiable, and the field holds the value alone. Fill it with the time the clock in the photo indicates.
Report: 6h37m17s
